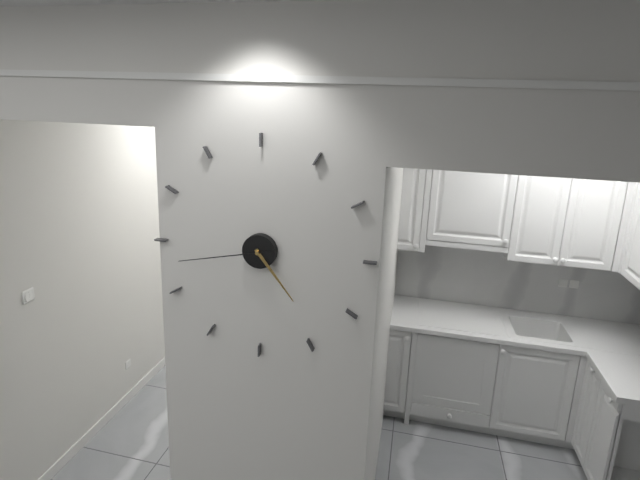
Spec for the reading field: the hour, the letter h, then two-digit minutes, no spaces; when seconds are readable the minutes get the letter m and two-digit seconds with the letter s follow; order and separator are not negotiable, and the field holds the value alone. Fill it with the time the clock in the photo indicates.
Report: 4h43
